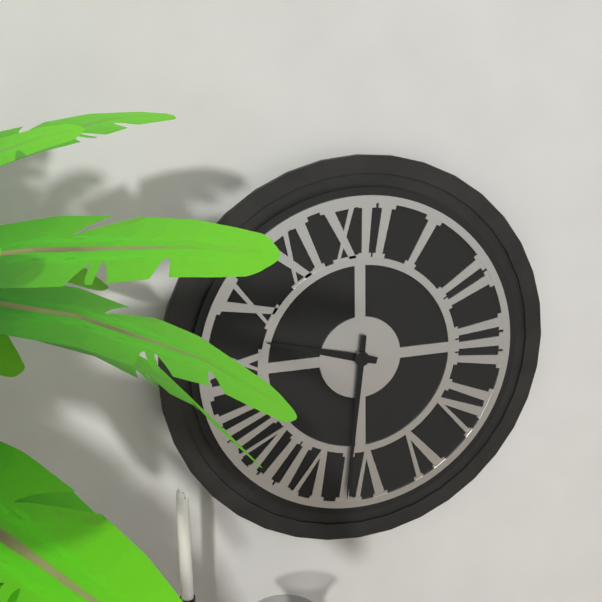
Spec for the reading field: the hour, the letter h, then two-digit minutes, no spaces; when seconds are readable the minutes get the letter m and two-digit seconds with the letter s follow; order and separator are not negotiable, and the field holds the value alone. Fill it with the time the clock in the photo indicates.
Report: 9h31
